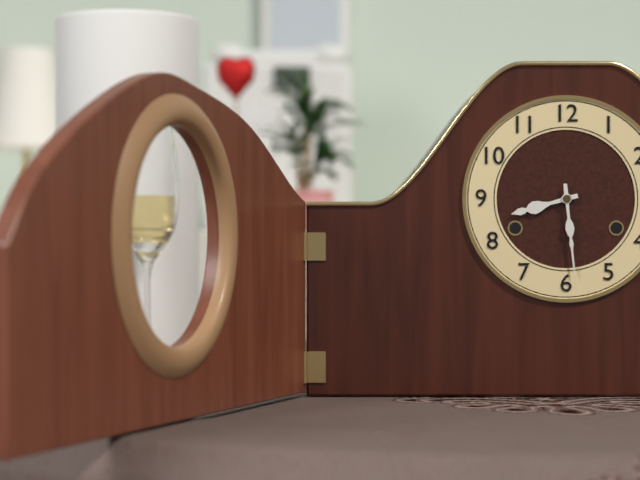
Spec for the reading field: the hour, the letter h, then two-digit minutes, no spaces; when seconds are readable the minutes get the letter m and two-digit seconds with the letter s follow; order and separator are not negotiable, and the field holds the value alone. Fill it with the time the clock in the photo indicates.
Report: 8h29
